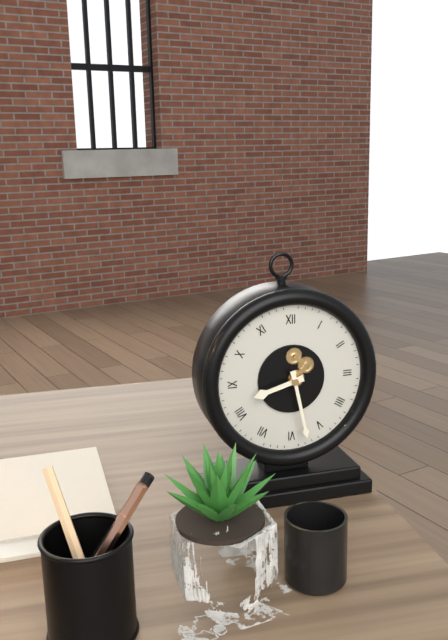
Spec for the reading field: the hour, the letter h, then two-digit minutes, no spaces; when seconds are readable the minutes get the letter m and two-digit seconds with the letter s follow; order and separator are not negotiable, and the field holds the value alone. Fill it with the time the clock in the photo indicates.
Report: 8h28
